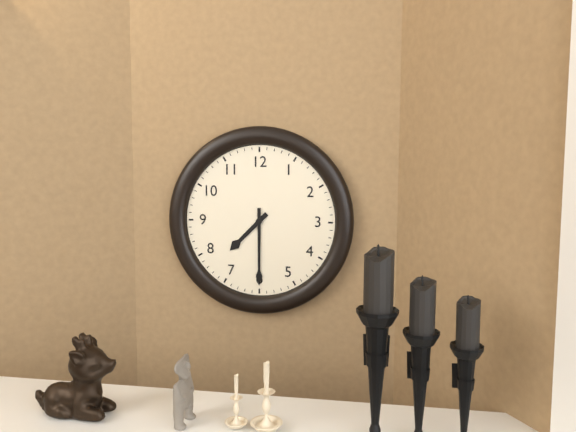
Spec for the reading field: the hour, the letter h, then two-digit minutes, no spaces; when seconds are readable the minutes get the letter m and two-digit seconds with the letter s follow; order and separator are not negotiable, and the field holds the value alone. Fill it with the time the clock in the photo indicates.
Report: 7h30
